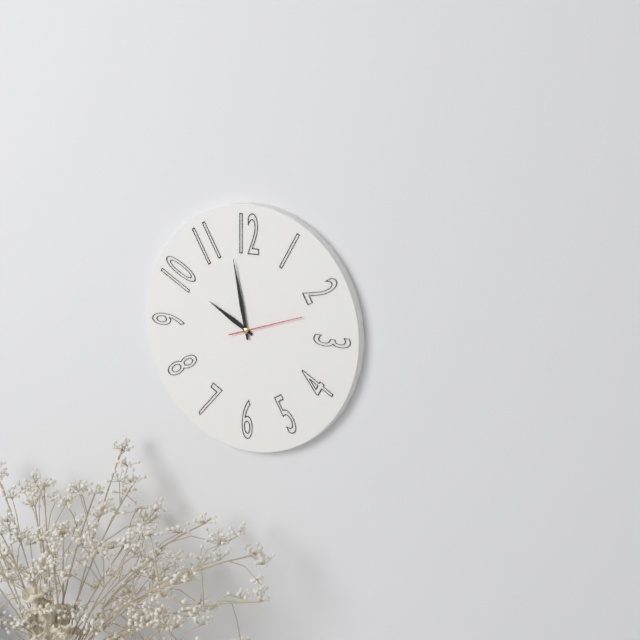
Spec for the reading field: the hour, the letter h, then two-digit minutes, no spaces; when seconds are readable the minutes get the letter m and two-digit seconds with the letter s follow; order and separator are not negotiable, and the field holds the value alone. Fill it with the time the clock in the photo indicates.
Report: 9h58m12s
